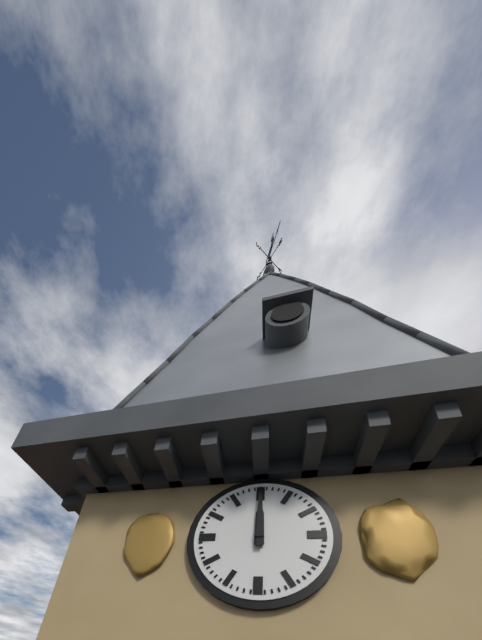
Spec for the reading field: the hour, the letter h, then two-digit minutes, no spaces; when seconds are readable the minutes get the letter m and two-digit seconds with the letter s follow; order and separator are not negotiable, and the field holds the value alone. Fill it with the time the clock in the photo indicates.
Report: 12h00
